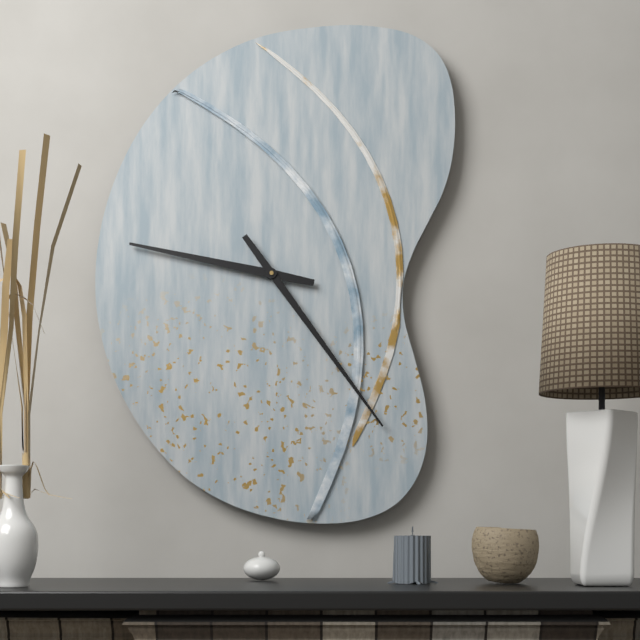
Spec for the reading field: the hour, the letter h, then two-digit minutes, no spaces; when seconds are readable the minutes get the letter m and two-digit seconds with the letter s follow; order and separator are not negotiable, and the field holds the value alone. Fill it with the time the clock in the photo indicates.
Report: 9h24
